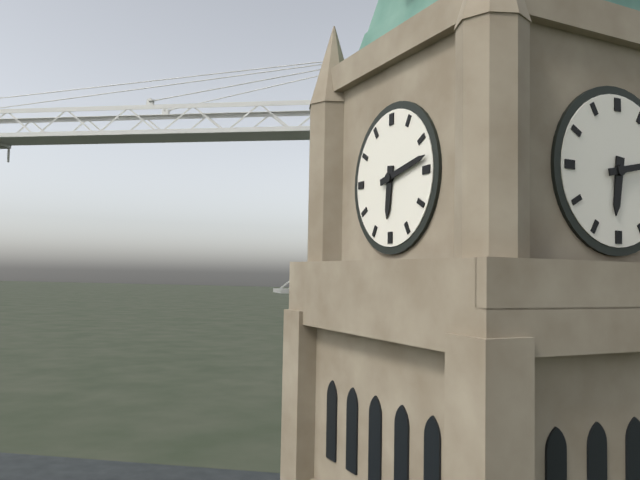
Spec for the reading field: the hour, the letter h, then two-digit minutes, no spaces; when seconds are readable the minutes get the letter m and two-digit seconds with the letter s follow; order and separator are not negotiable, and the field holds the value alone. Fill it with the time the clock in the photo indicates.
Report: 6h13
